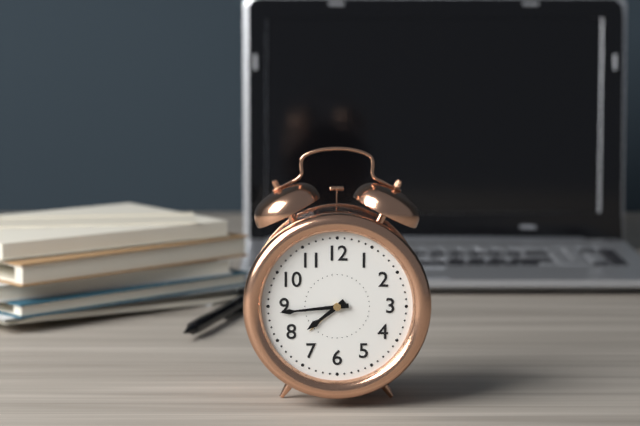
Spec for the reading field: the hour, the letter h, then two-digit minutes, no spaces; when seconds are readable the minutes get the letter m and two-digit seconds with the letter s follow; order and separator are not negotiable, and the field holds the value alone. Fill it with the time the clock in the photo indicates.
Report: 7h44
